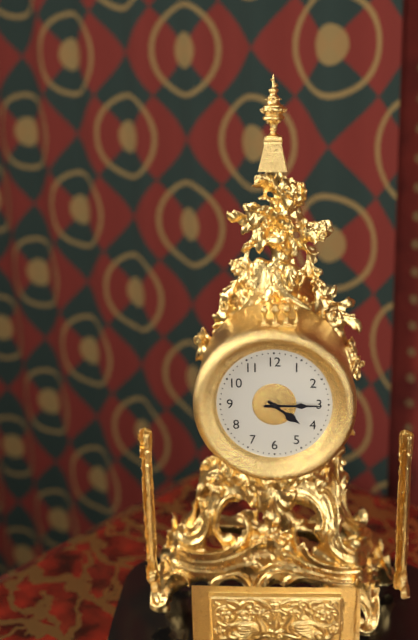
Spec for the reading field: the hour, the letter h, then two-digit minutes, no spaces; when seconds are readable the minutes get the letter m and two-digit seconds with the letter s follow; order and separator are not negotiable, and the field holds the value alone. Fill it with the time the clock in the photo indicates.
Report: 4h15
